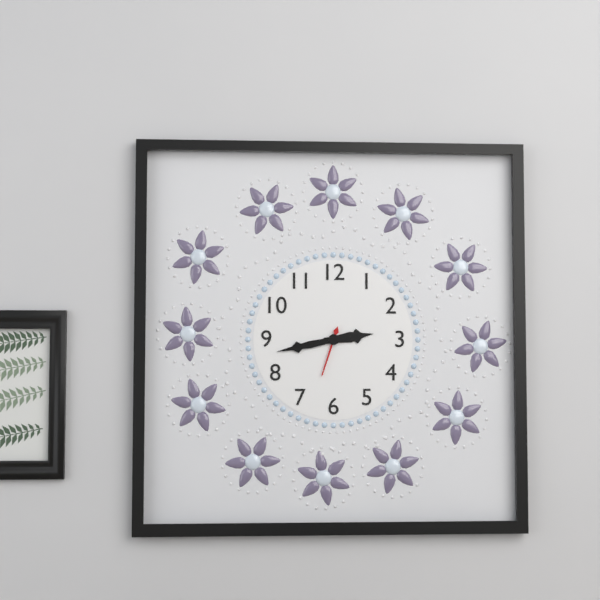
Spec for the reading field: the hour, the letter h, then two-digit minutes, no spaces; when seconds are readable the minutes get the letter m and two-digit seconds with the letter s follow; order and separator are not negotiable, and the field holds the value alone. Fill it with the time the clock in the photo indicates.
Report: 2h43
